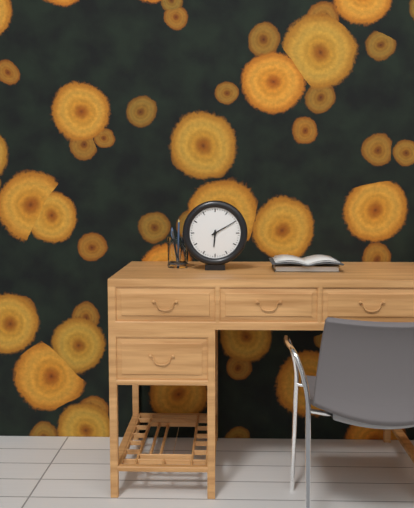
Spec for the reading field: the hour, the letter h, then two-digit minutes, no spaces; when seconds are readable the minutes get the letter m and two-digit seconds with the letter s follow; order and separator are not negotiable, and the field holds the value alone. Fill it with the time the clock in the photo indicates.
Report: 6h10
